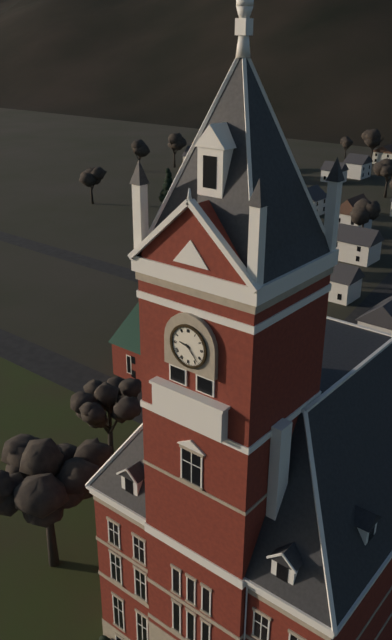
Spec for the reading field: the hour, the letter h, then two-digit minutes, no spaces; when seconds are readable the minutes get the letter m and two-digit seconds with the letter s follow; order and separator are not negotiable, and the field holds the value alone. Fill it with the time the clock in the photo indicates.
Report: 9h23
